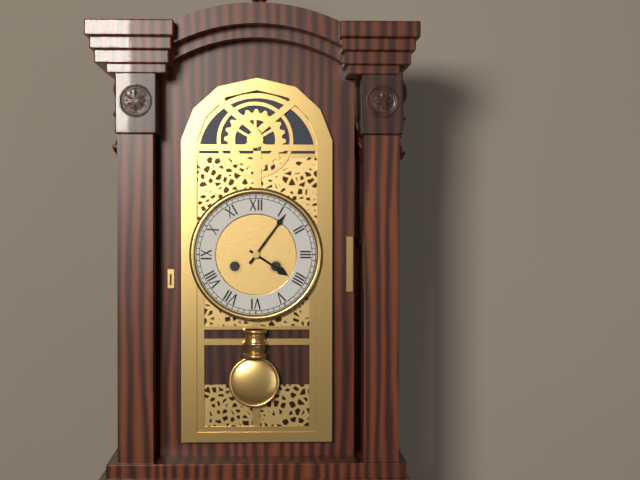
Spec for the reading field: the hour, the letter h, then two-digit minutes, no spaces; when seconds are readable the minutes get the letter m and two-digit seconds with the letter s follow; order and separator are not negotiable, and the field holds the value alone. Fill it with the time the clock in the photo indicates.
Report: 4h06
